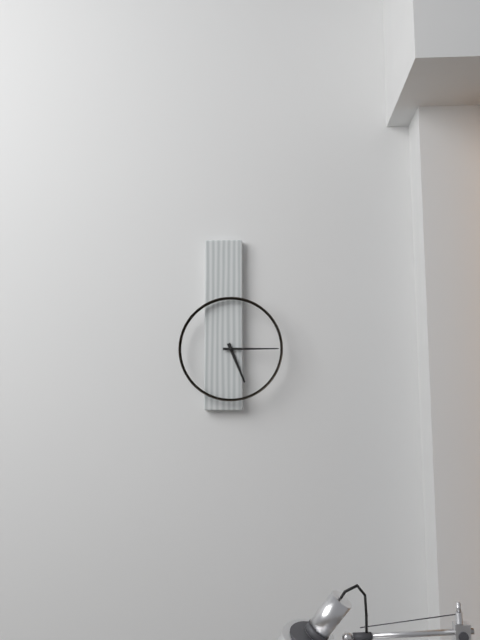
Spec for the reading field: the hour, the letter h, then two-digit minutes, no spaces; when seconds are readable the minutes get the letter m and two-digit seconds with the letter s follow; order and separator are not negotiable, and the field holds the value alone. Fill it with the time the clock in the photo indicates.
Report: 5h15
